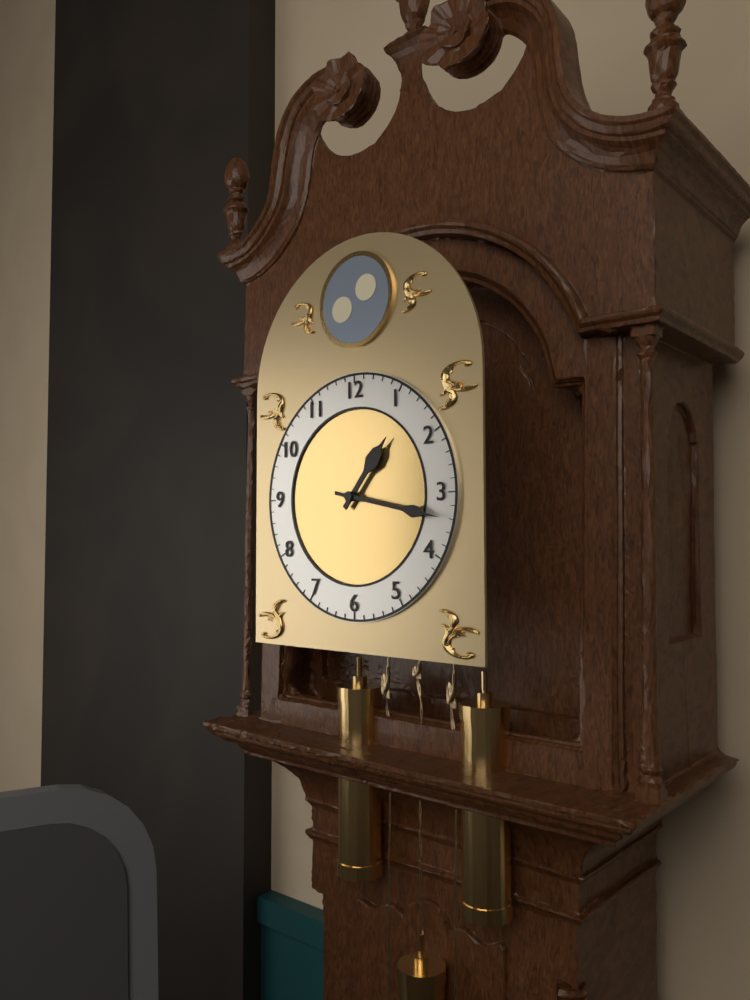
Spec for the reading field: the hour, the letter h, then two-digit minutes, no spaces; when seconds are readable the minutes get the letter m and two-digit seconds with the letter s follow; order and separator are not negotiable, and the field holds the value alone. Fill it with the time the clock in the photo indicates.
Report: 1h17
